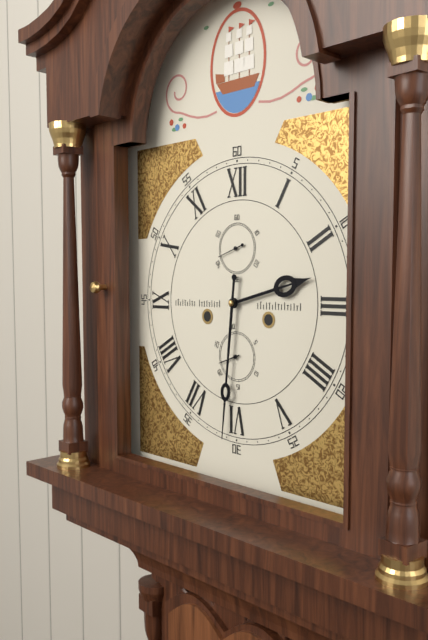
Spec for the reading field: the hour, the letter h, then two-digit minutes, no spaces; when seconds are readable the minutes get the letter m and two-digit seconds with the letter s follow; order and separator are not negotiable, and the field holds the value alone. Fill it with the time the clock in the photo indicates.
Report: 2h31
